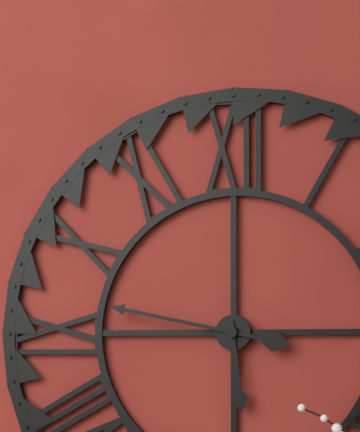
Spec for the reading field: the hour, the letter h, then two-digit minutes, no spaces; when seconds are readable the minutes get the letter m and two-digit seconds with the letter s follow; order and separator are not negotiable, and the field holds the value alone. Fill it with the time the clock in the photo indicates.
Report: 5h47
